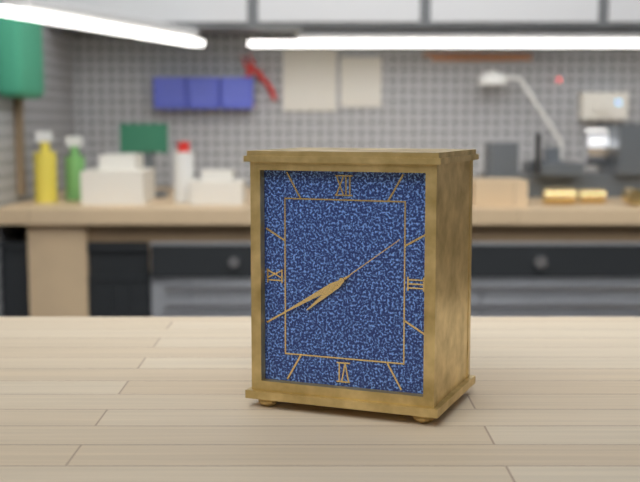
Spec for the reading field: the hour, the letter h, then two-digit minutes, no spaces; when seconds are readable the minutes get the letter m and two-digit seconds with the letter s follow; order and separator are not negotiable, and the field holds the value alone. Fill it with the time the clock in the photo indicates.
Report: 7h40m09s
